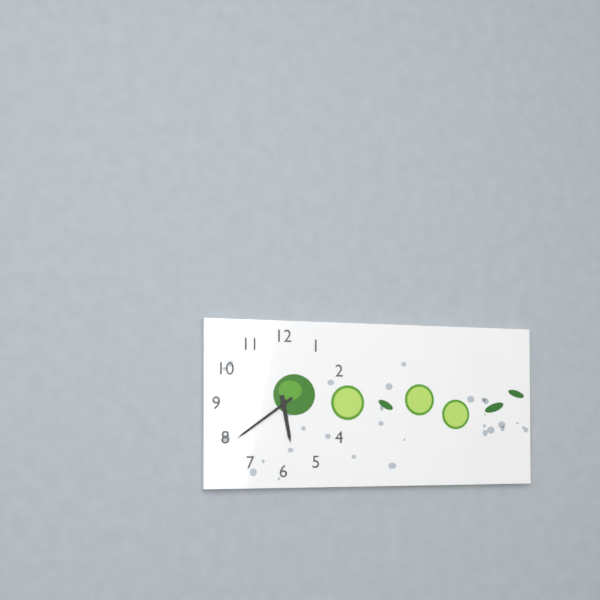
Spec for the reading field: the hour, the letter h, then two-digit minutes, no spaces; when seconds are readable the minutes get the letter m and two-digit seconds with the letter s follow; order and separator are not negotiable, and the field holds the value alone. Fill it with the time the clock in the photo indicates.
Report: 5h39
